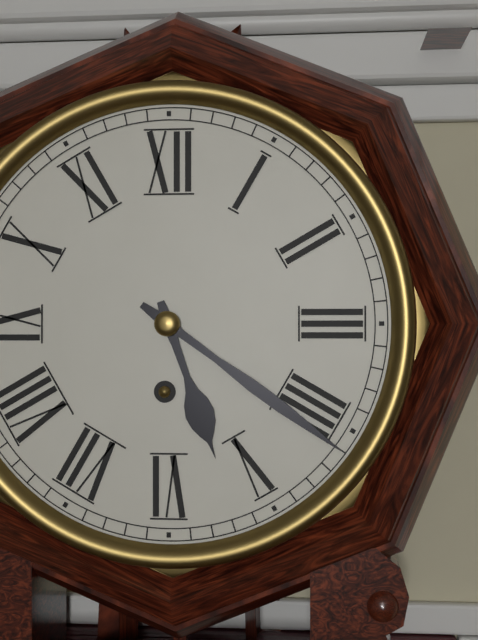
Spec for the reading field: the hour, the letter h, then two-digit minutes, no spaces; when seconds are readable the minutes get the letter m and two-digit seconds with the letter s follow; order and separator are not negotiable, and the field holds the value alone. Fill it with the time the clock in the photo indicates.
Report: 5h21
